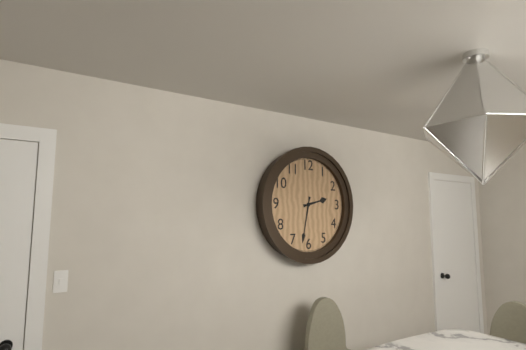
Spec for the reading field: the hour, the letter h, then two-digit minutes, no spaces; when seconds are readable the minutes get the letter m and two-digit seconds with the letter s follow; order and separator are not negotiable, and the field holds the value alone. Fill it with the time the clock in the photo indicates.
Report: 2h32
